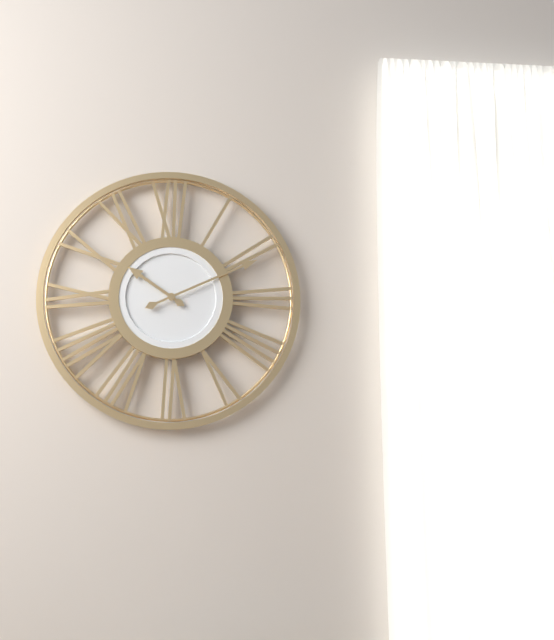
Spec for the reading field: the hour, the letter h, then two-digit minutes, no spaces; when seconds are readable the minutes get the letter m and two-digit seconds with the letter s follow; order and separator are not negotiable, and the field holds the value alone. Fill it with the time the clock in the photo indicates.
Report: 10h11
